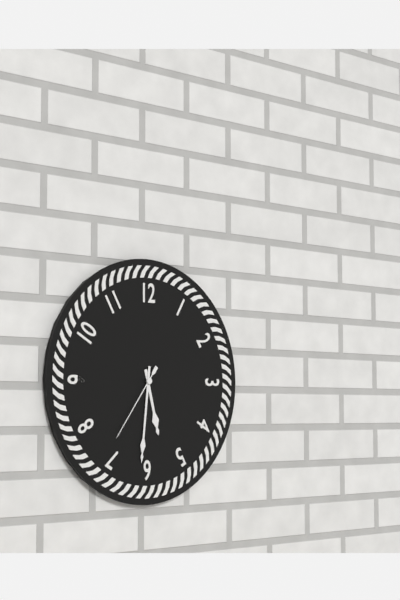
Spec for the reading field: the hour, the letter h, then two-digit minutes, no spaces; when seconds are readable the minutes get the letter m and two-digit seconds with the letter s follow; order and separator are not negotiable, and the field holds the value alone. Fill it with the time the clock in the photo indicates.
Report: 5h31m36s
